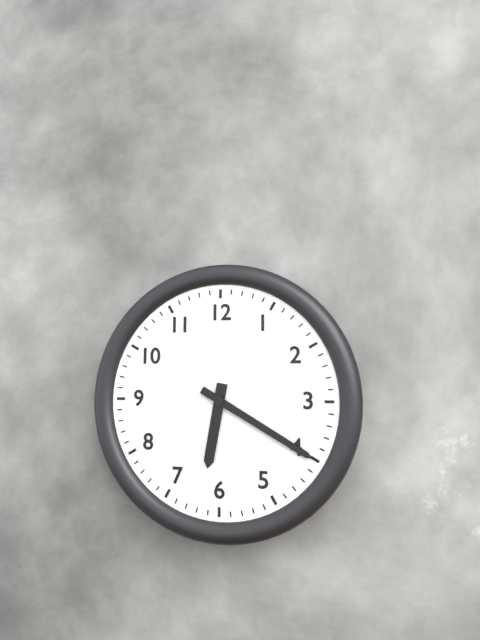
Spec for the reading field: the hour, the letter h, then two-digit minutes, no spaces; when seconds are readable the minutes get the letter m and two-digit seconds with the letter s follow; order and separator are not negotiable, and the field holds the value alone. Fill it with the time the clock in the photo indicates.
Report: 6h20
